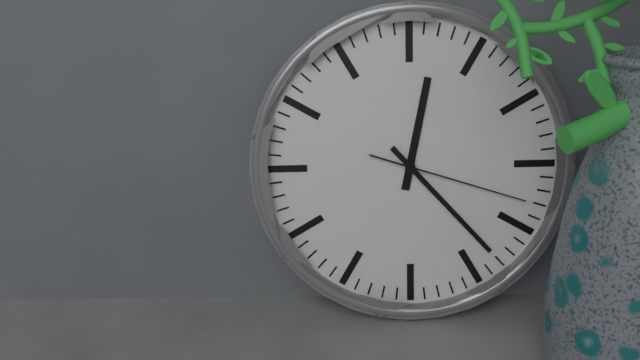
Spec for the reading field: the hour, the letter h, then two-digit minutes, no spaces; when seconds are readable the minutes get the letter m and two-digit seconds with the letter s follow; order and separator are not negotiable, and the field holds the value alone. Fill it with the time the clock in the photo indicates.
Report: 12h23m18s
